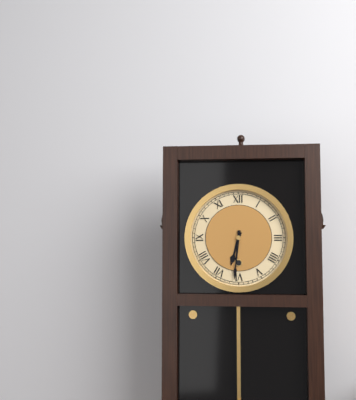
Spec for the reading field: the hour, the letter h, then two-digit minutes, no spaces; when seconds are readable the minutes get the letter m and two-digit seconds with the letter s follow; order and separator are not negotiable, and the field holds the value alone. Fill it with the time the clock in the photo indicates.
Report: 6h31
